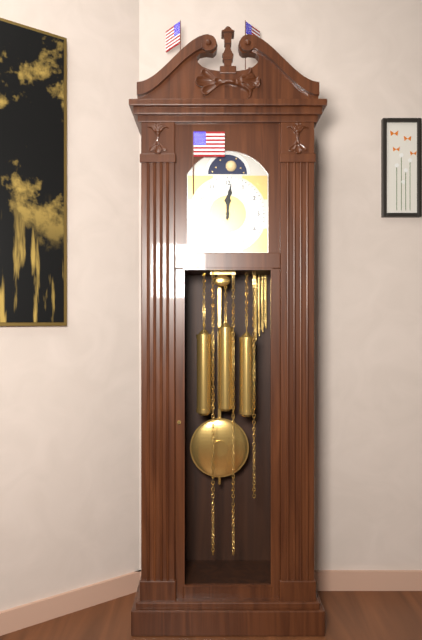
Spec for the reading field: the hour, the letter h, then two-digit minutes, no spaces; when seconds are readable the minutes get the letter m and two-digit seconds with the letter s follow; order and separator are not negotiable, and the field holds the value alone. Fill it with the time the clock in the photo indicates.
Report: 12h01
